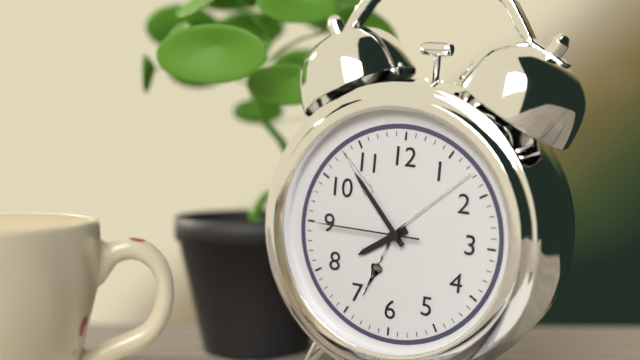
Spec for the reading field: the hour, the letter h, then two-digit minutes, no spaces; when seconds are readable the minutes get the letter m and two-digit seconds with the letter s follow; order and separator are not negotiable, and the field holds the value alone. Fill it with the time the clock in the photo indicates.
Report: 7h53m45s
